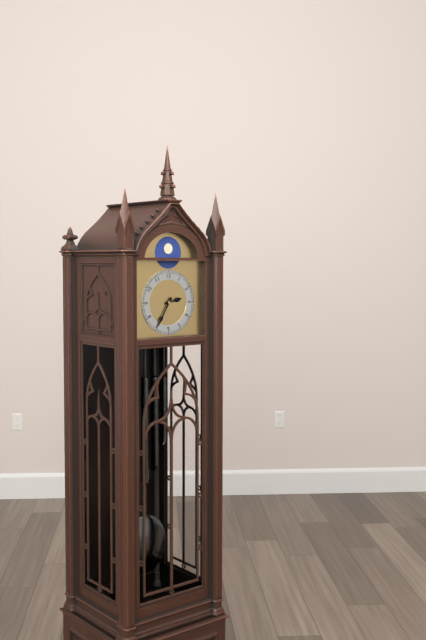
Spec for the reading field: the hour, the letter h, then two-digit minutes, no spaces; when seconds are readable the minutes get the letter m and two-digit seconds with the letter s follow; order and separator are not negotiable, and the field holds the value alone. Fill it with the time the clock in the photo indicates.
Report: 2h35
